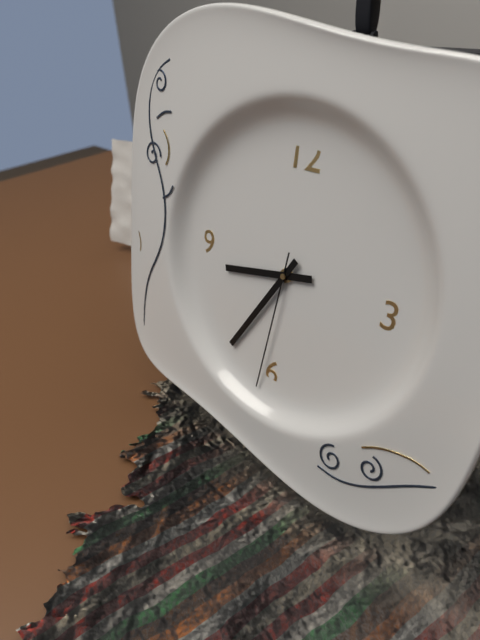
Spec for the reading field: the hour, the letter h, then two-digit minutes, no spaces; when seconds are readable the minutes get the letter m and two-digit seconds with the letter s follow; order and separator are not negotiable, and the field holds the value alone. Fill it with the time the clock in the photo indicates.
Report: 8h35m31s
